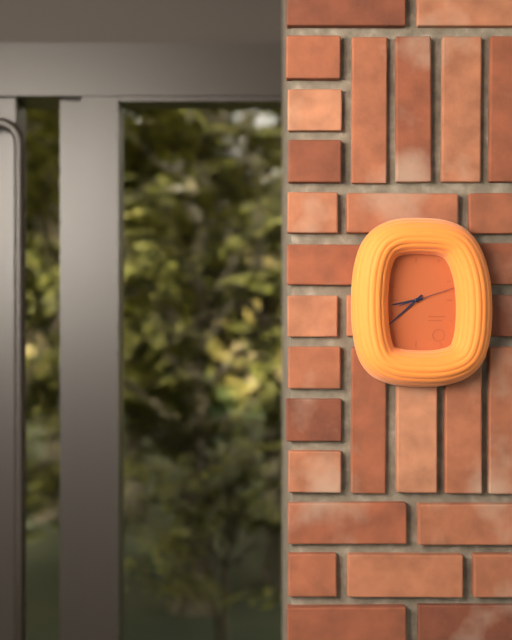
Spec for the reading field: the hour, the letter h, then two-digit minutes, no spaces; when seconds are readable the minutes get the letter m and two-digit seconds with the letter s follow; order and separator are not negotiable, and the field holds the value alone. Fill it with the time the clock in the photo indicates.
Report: 8h38m12s
